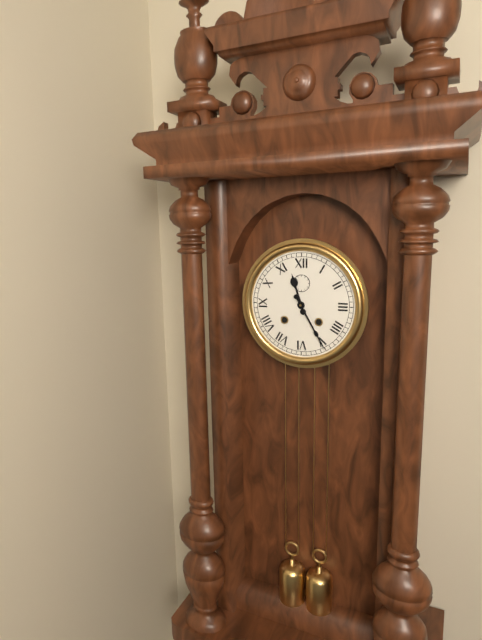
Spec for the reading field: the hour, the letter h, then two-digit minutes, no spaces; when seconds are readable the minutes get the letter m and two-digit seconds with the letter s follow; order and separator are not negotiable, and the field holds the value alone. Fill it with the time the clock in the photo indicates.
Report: 11h25
